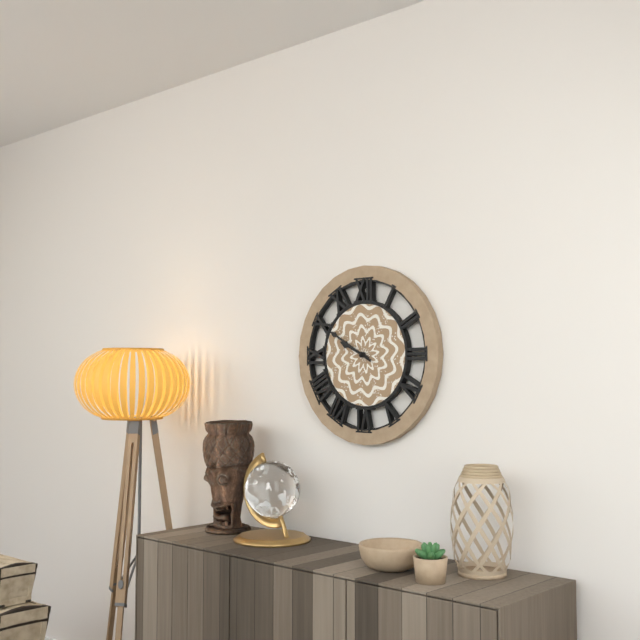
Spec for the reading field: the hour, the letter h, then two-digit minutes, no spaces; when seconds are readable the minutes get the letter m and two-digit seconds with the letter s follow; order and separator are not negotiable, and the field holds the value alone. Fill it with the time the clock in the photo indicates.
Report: 9h50
